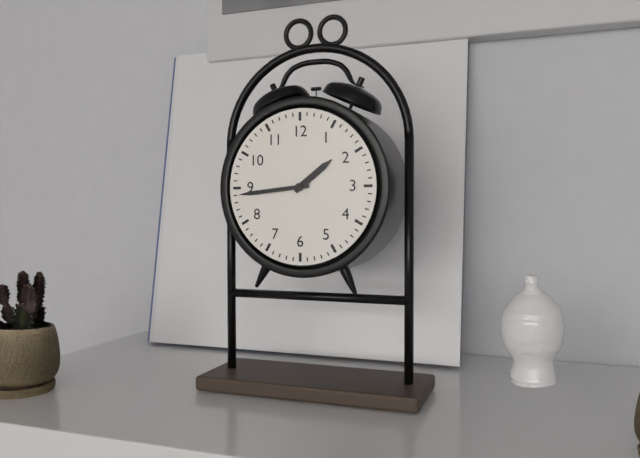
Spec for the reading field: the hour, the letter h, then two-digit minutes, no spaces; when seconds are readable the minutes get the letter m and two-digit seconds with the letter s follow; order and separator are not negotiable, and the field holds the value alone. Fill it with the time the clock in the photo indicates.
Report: 1h44
